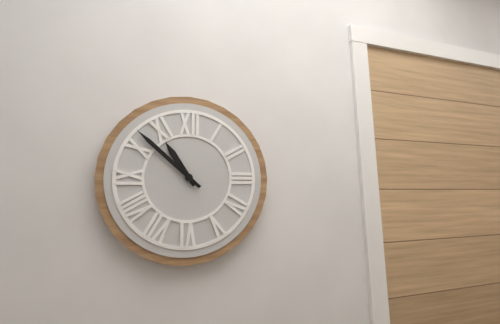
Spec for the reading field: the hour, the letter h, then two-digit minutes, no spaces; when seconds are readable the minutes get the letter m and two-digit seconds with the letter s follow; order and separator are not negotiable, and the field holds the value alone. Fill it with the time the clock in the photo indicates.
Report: 10h52
